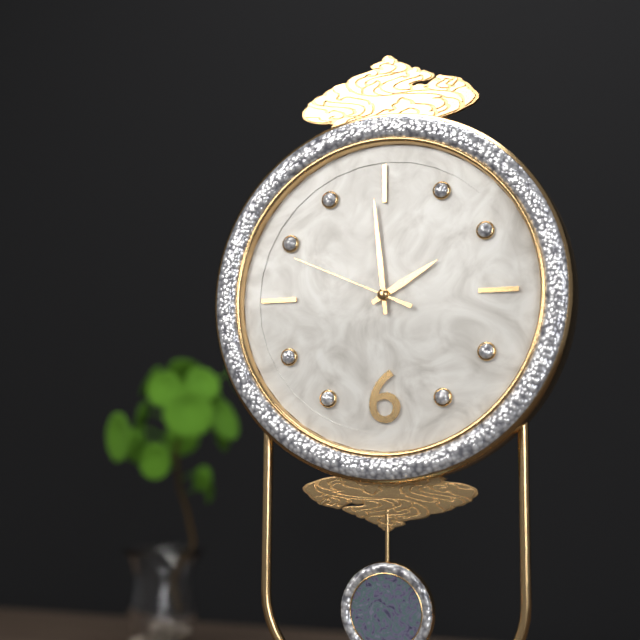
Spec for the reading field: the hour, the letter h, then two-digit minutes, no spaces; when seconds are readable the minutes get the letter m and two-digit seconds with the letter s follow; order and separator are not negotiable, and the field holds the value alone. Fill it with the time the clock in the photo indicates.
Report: 1h59m49s
